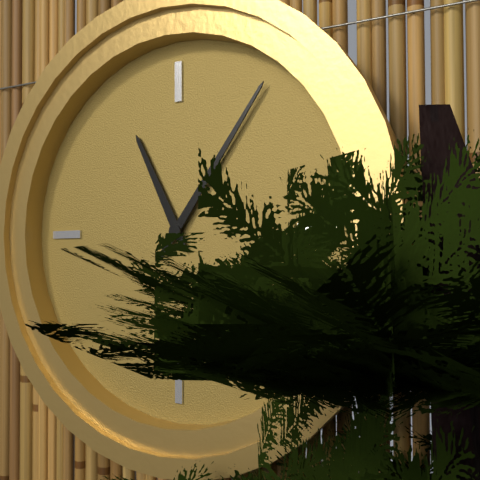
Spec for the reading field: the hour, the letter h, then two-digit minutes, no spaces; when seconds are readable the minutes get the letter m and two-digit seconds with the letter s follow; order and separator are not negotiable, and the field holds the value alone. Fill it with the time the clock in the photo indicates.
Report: 11h06
